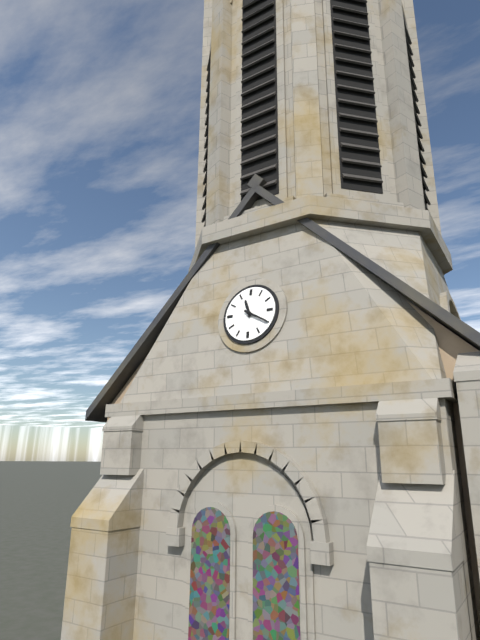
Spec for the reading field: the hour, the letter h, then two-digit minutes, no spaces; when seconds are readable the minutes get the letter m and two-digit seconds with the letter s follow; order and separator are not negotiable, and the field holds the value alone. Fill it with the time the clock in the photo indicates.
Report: 11h20
